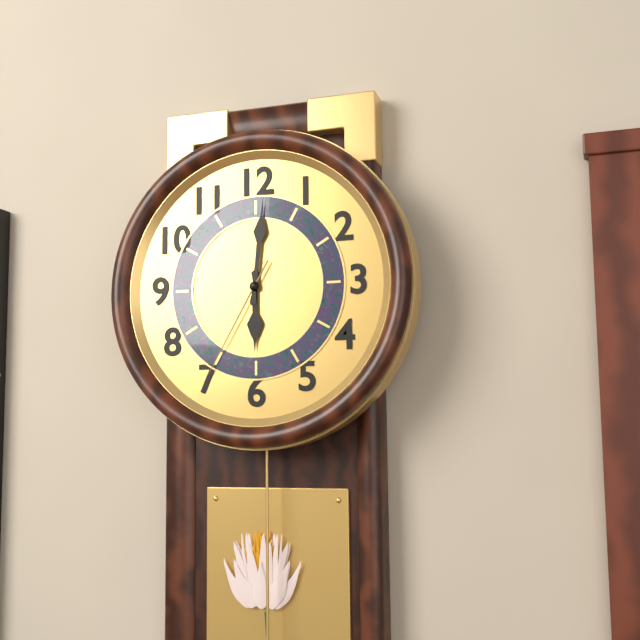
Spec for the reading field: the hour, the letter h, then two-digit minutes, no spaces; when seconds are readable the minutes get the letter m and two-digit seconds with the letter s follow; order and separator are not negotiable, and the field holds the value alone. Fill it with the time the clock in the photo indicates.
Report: 6h01m35s
